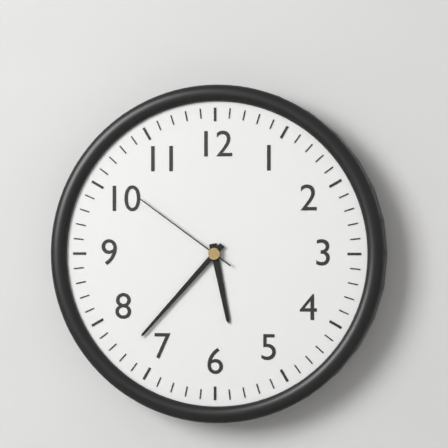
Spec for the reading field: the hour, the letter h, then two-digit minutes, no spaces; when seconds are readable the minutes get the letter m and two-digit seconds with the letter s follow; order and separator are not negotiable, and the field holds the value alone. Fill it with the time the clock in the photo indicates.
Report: 5h37m51s
